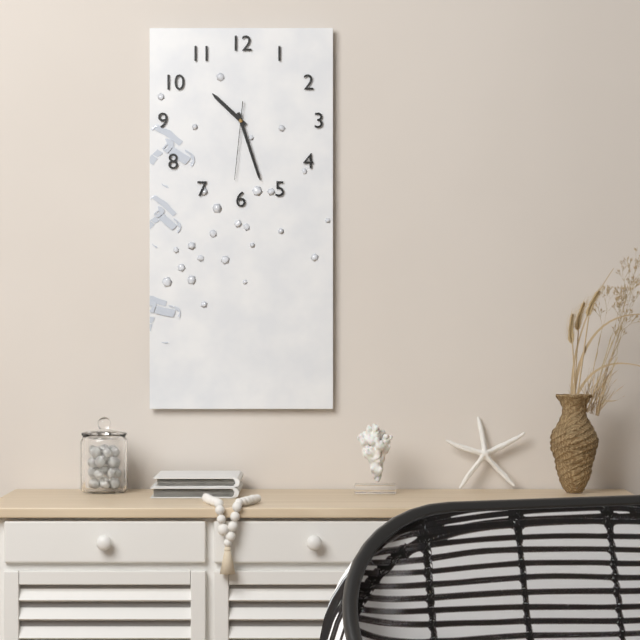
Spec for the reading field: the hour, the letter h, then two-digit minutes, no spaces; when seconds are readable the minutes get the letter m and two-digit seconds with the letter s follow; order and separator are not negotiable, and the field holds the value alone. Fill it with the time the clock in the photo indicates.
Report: 10h27m31s
